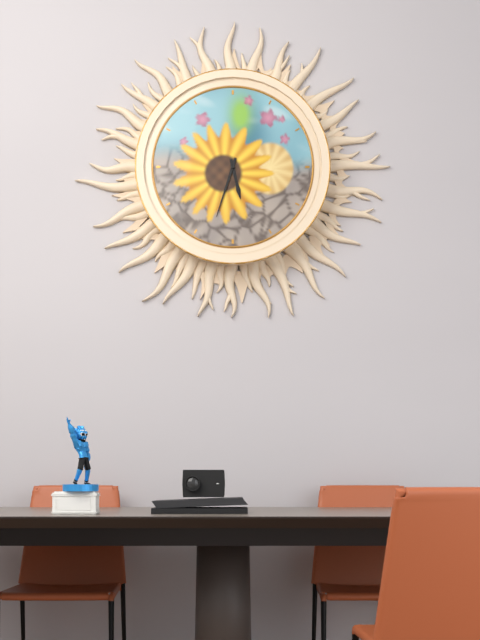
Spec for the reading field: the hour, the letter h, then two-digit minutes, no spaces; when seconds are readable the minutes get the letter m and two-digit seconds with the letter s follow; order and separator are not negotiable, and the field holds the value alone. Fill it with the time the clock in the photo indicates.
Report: 5h33
